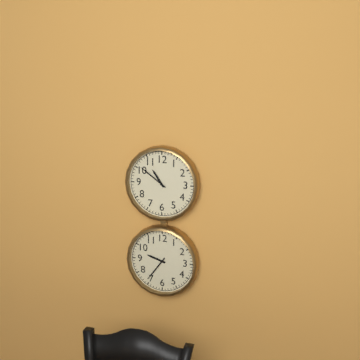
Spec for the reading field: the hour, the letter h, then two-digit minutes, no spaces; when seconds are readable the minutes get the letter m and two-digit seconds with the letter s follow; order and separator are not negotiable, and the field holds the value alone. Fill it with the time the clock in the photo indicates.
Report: 10h51
